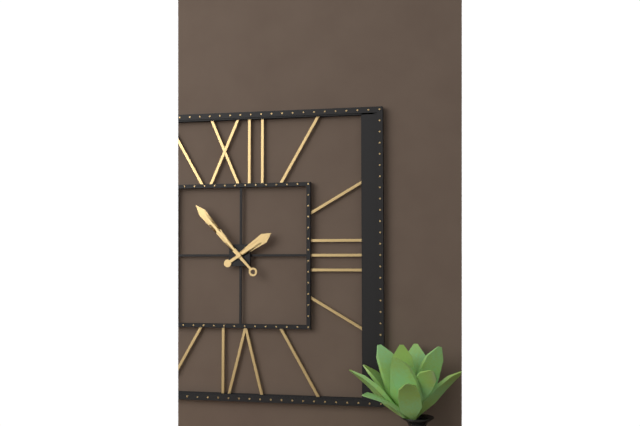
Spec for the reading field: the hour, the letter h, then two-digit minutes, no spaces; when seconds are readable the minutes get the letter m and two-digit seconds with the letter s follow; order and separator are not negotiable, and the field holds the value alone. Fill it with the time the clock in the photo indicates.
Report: 1h53
